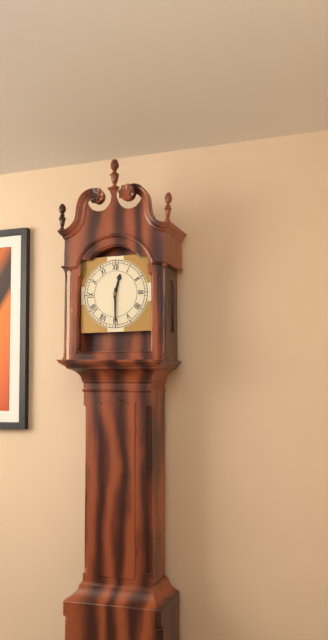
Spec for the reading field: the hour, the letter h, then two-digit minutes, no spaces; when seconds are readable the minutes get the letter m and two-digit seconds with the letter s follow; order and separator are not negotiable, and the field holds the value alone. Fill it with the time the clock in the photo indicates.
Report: 12h30
